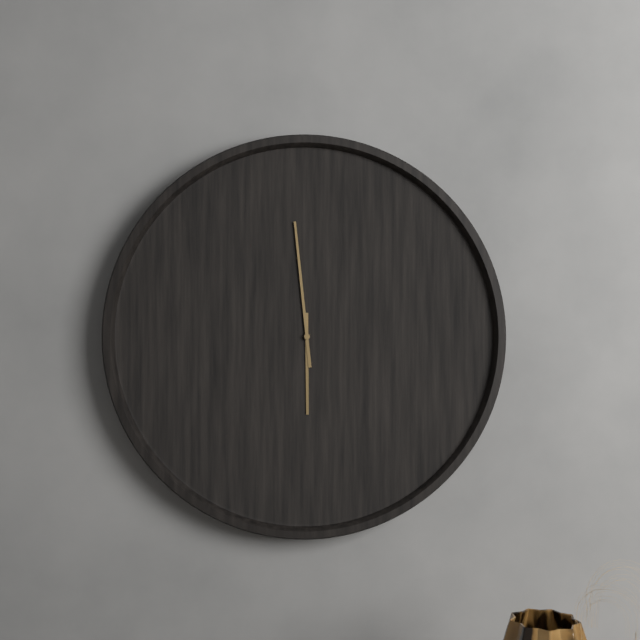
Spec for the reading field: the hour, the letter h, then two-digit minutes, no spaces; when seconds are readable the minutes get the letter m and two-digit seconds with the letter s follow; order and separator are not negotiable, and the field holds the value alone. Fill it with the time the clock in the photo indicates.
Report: 5h59
